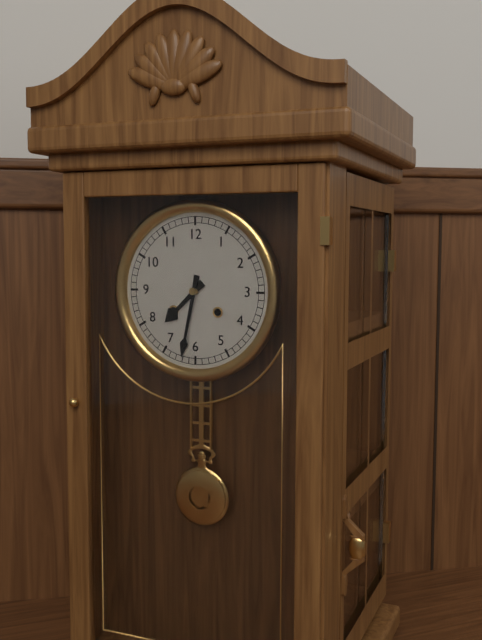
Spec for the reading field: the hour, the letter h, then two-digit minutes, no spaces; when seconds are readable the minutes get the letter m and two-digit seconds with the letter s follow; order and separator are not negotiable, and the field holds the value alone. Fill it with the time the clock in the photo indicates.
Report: 7h32
